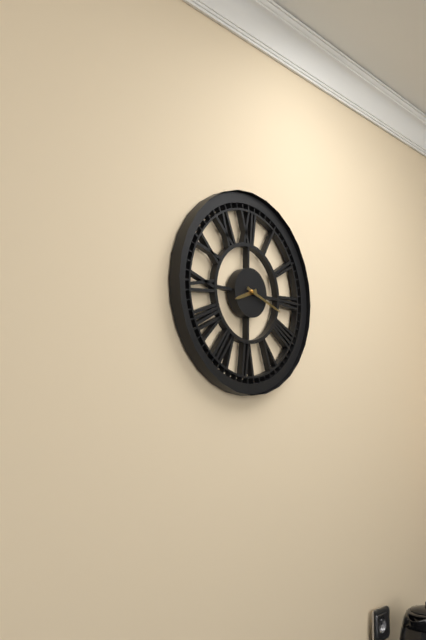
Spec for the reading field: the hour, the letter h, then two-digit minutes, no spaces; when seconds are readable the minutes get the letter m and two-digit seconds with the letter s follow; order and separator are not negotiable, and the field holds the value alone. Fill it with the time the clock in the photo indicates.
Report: 8h18
